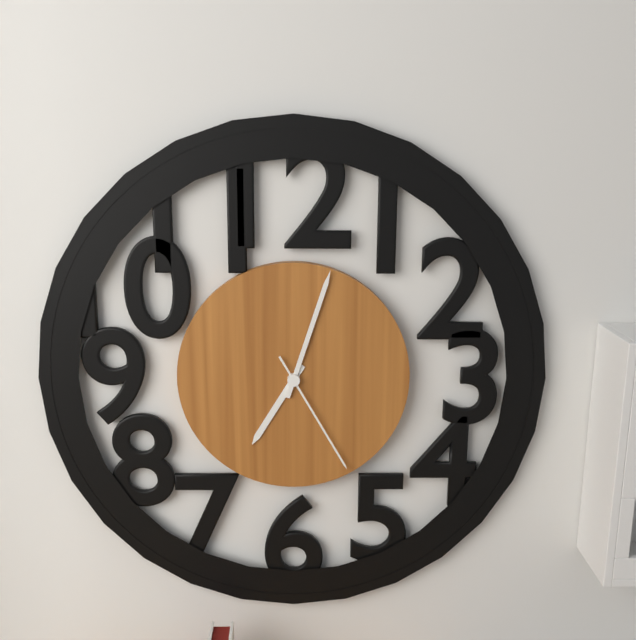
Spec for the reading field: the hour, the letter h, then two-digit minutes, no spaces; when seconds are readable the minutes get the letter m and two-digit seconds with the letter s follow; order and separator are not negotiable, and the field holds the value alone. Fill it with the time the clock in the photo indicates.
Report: 7h03m25s
